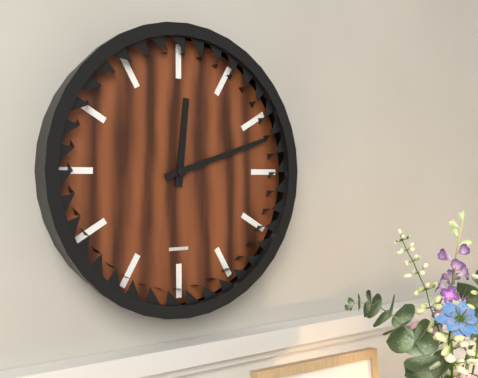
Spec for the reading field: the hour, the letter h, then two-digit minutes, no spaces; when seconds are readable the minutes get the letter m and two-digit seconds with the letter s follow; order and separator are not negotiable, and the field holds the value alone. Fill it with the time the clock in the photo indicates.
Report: 12h12
